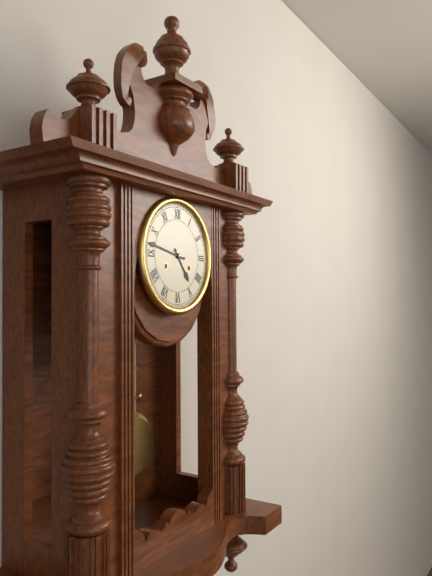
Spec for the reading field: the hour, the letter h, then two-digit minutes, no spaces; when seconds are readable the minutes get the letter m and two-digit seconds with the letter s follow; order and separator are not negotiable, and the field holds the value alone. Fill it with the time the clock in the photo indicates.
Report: 4h47
